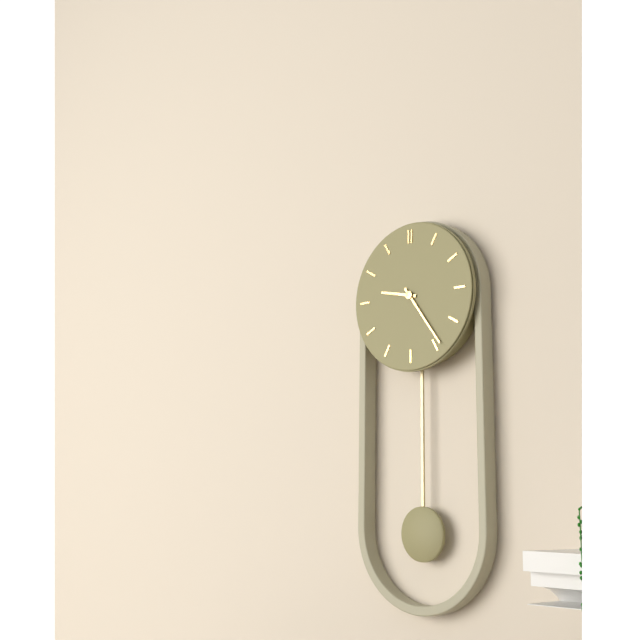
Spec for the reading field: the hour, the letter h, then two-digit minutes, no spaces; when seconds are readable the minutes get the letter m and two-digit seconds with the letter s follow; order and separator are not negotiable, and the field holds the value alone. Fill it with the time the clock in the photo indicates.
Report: 9h24
